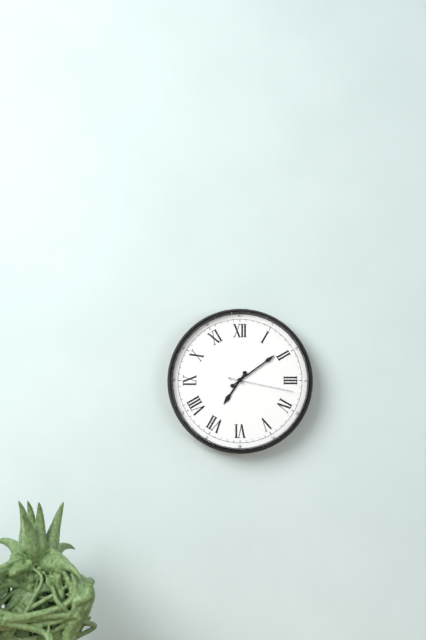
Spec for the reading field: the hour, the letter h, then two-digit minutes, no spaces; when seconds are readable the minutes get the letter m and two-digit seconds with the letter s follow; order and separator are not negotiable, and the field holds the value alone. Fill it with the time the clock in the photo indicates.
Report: 7h09m17s
